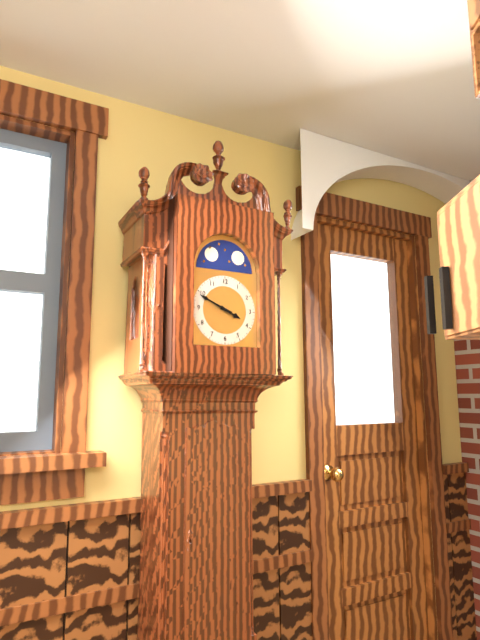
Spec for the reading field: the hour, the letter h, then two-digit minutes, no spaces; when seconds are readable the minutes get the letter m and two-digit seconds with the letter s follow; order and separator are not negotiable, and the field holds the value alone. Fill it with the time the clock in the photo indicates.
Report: 3h49
